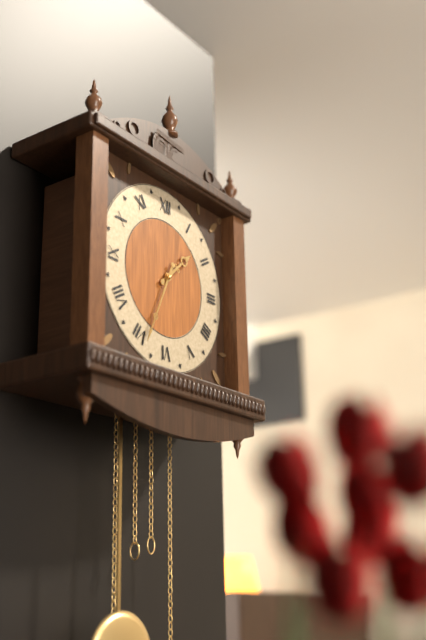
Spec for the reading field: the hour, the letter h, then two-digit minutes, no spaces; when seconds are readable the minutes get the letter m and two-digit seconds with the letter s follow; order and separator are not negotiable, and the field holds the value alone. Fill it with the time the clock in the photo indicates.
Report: 1h34
